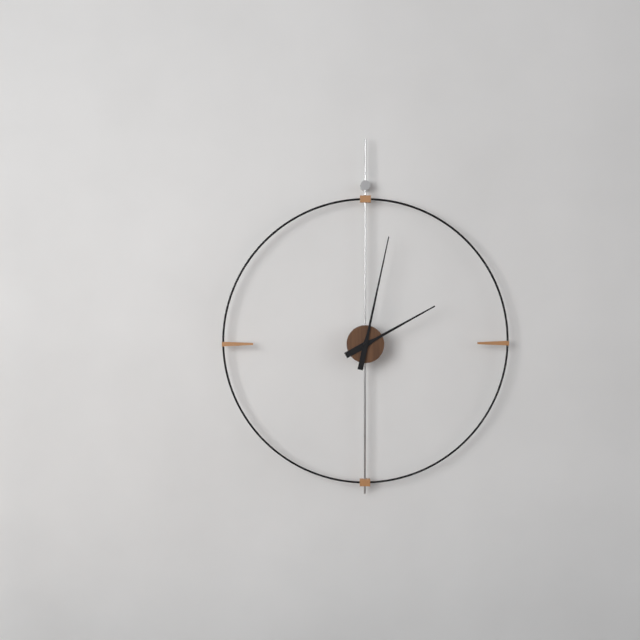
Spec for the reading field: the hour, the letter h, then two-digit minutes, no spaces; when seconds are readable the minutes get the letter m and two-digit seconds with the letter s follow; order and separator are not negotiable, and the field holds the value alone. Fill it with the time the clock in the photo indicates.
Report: 2h02
